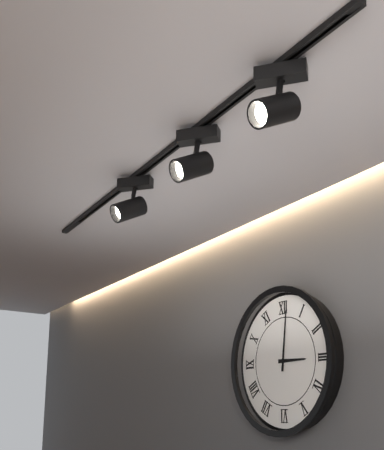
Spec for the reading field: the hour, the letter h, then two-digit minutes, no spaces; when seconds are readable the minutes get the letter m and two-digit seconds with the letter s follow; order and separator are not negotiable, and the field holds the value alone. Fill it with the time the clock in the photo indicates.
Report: 3h01
